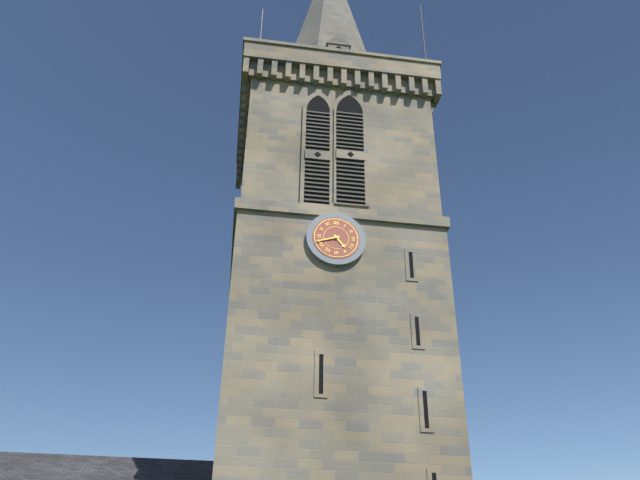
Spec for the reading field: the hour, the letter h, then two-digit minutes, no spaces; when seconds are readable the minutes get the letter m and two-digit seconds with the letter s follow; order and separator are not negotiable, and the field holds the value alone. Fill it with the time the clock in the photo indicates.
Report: 4h42
